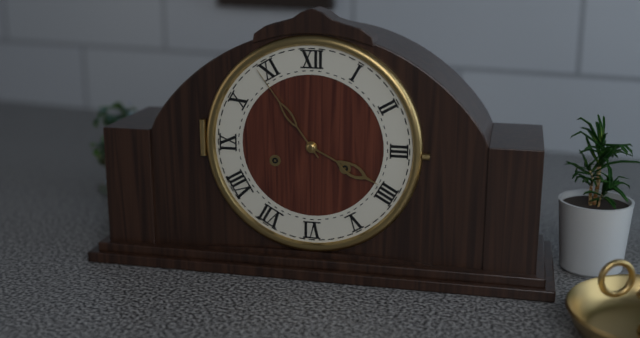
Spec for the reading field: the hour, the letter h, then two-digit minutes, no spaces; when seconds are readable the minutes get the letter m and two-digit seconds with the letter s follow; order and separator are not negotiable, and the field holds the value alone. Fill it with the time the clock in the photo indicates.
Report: 3h54
